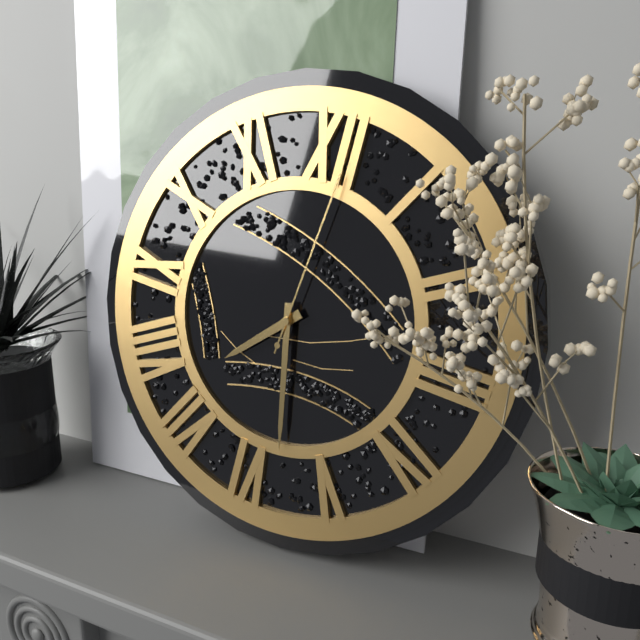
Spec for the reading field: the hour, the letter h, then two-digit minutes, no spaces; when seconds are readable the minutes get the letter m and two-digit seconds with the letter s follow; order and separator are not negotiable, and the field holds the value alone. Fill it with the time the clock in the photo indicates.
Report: 7h28m01s
